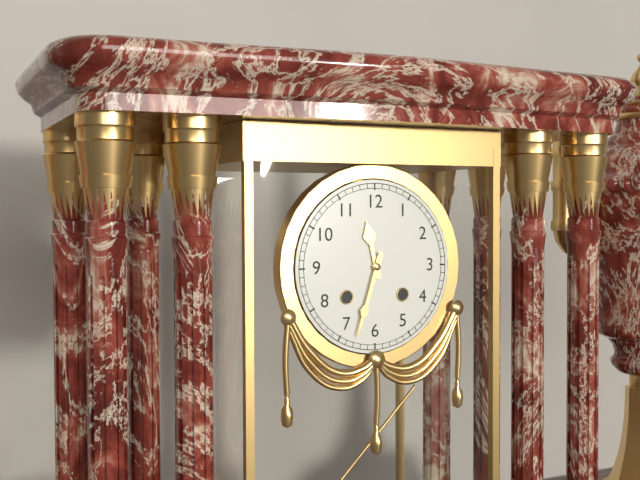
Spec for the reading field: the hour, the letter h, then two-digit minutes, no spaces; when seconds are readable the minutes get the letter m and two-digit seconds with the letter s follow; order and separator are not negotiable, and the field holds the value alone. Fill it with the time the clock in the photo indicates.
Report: 11h33
